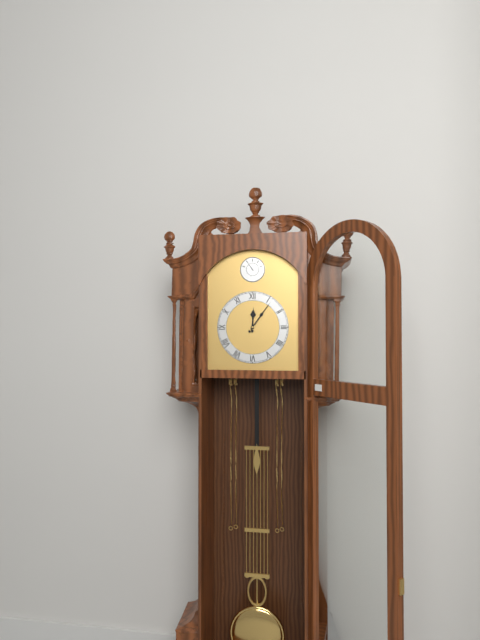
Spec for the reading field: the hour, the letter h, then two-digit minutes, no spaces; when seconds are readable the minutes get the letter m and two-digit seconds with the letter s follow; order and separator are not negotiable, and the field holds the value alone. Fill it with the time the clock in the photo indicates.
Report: 12h06
